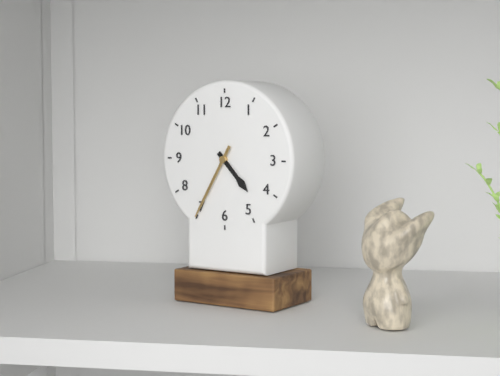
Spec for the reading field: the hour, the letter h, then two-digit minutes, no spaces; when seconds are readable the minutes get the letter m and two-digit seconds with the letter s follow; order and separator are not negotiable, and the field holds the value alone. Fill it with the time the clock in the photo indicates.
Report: 4h35
